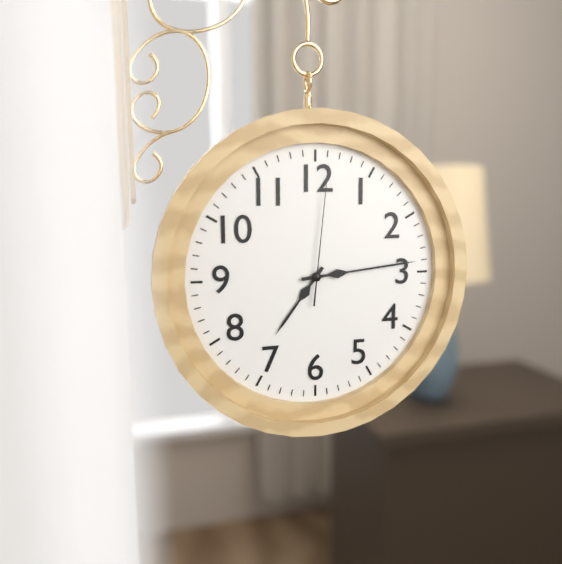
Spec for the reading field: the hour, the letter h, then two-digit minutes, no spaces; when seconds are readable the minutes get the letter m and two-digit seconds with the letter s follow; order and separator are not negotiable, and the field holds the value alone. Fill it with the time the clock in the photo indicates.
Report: 7h14m01s
